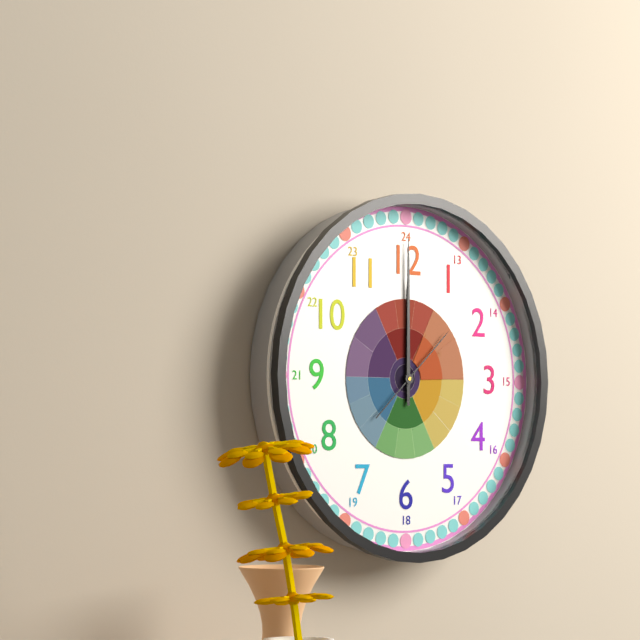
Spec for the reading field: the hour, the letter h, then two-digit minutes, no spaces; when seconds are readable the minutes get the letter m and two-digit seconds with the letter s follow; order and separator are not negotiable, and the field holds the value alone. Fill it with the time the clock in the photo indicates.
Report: 12h00m08s
